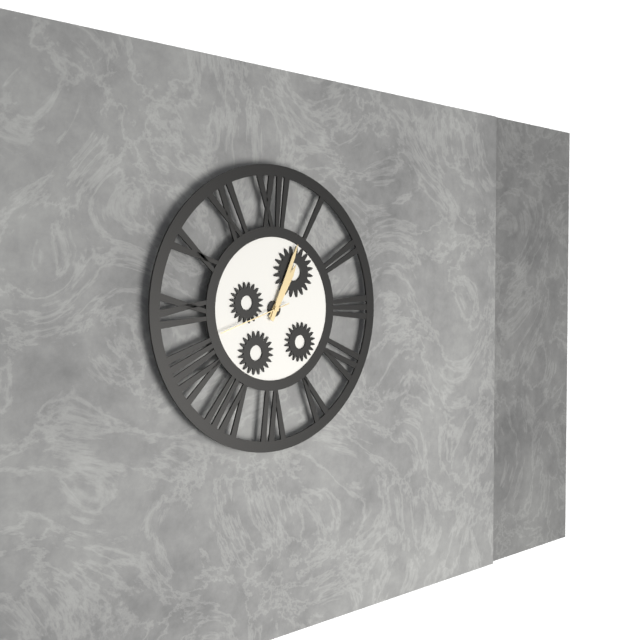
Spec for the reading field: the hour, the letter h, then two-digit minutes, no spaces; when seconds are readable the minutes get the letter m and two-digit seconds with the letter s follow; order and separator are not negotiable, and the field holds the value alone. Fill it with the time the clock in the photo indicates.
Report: 1h04m42s
